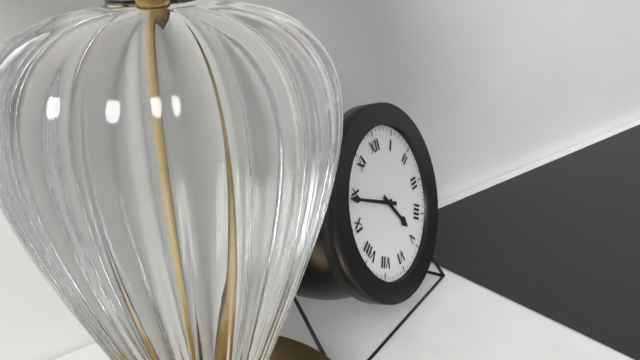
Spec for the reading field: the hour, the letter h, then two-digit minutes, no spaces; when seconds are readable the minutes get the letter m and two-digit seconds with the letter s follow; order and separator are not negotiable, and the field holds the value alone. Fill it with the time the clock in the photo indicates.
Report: 4h49
